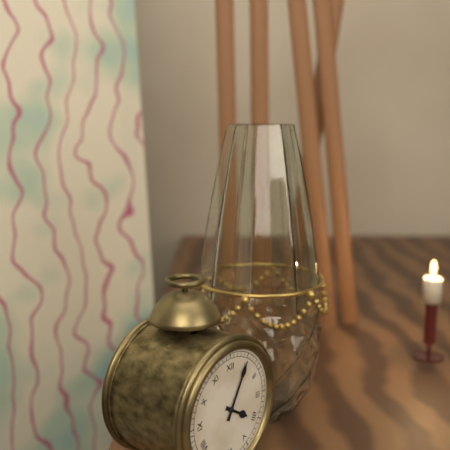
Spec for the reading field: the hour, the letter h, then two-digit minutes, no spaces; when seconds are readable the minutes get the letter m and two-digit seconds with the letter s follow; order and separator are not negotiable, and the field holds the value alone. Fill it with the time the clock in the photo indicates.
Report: 4h05
